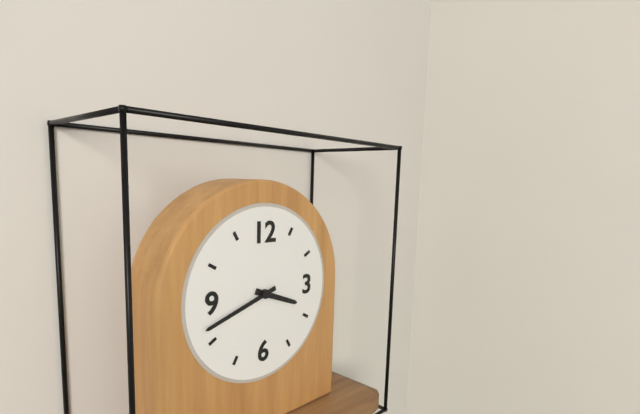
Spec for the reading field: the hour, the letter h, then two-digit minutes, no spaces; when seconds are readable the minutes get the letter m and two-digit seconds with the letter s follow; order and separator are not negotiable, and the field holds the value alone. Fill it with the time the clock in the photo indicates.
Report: 3h42
